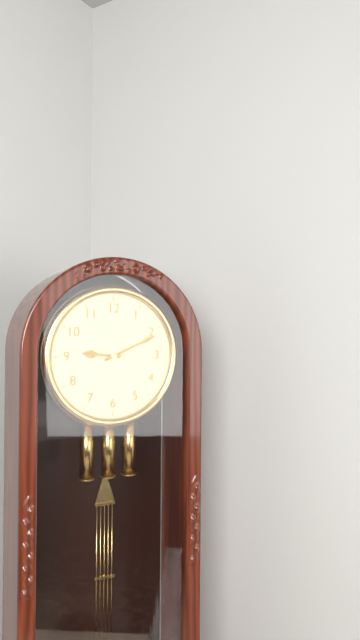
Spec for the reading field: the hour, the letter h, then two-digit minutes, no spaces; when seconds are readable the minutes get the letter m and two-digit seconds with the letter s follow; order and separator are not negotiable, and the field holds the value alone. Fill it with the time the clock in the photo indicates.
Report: 9h11
